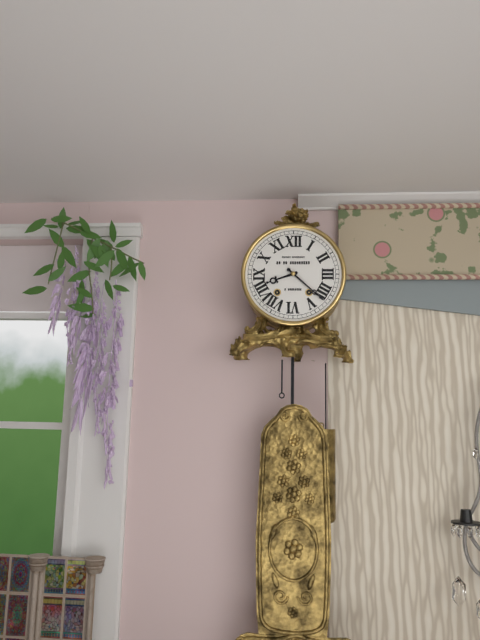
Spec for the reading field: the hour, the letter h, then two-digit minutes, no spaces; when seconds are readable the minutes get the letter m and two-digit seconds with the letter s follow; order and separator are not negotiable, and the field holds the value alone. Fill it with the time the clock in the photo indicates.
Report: 8h22
